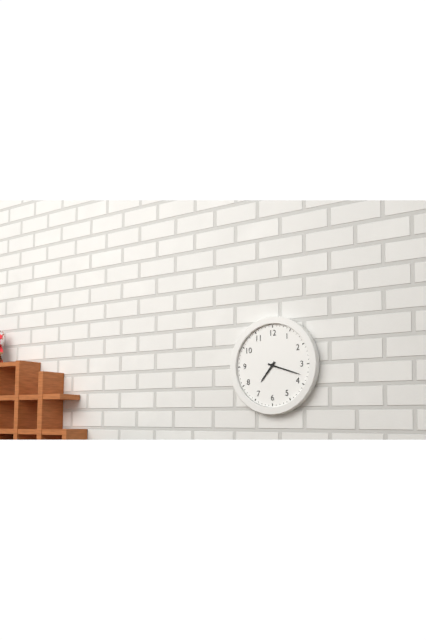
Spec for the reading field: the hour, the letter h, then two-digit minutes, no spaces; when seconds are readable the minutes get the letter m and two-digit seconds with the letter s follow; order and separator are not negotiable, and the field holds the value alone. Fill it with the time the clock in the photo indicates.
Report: 7h18
